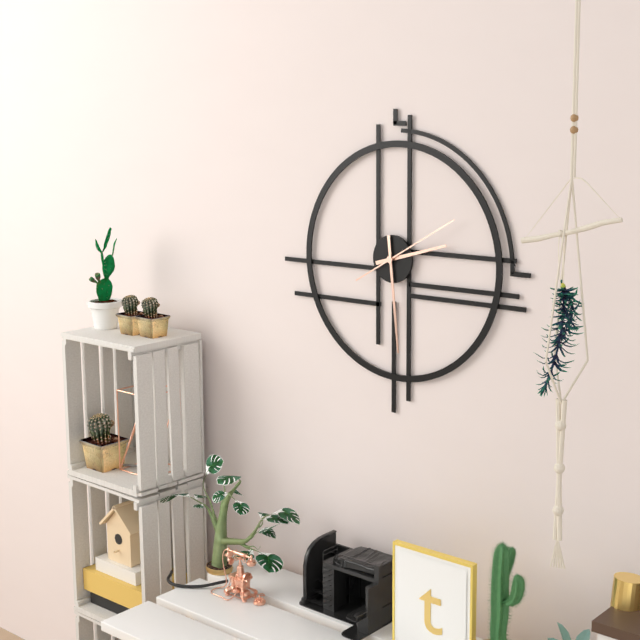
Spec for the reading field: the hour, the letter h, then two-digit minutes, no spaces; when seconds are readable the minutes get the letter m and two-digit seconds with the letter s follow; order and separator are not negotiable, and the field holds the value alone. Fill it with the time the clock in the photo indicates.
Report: 2h29m10s
